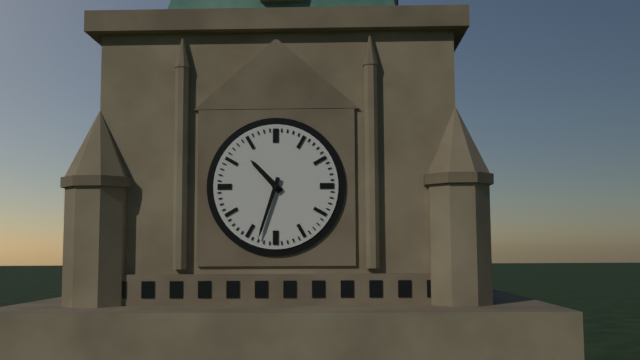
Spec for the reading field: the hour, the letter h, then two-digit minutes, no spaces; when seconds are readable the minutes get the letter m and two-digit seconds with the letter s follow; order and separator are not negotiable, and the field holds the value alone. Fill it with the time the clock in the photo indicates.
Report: 10h33
